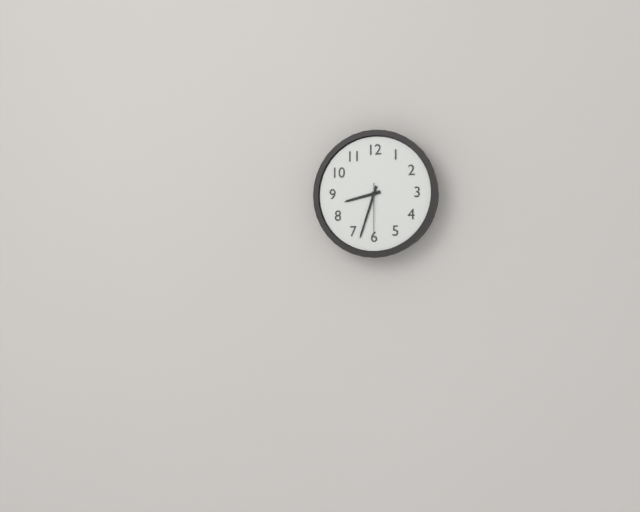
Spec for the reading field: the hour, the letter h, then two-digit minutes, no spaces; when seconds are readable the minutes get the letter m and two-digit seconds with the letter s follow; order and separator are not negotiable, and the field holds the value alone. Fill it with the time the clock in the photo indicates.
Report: 8h33m30s
